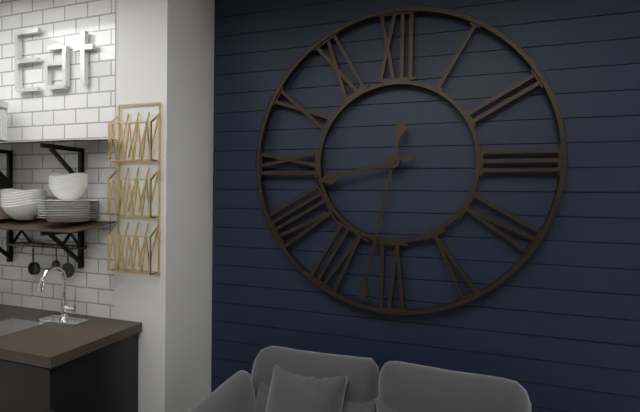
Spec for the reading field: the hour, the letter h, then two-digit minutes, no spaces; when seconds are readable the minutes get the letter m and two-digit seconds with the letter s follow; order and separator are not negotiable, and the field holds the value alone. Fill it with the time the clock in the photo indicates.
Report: 8h32
